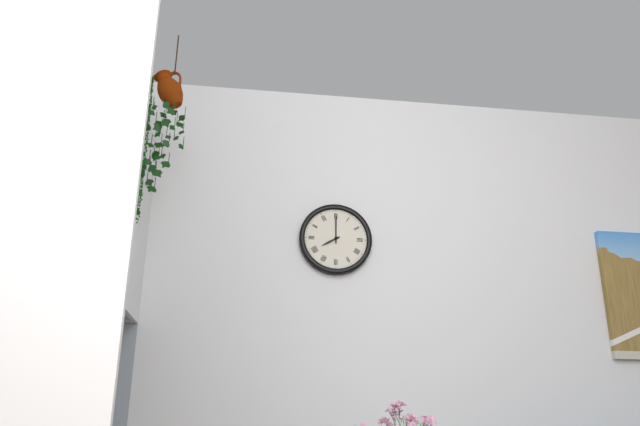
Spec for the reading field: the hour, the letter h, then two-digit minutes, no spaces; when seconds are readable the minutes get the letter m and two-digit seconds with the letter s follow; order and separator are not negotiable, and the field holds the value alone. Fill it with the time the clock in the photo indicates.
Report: 8h00
